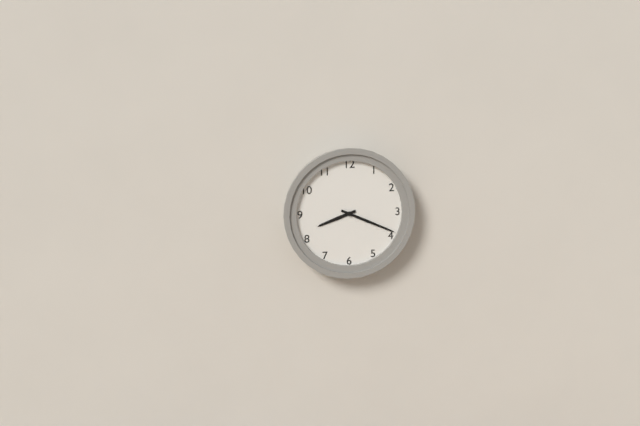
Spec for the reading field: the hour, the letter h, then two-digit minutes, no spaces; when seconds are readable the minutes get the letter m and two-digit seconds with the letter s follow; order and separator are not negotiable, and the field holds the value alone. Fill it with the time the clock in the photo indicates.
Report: 8h19
